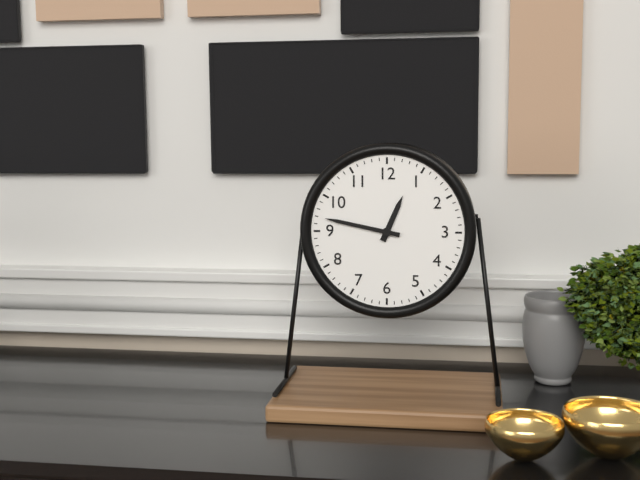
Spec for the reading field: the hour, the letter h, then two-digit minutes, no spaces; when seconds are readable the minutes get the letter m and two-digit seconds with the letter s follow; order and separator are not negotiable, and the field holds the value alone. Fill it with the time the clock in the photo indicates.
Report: 12h47
